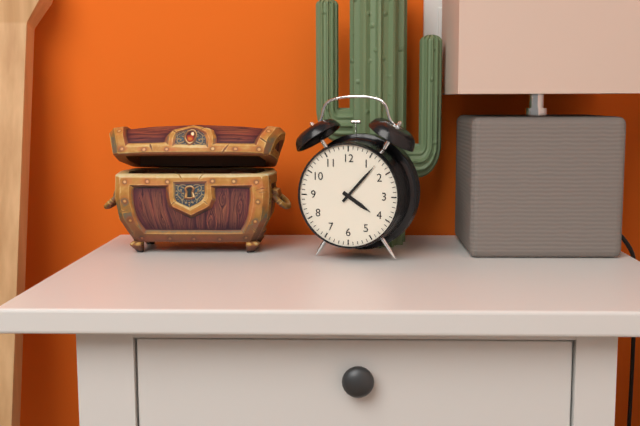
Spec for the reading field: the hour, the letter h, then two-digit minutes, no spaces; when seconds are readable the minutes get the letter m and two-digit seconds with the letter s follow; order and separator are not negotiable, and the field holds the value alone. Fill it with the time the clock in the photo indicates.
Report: 4h07
